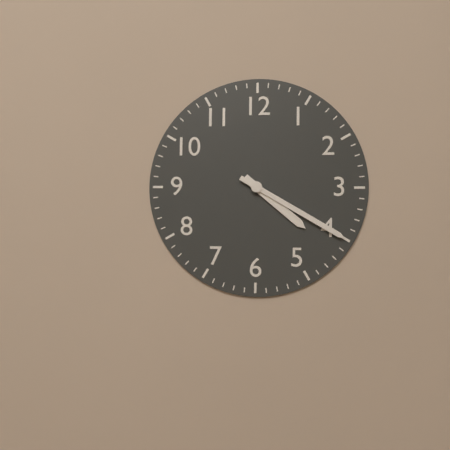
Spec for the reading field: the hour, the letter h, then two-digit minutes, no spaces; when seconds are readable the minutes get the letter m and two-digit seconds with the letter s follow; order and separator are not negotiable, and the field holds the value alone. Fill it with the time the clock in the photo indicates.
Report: 4h20
